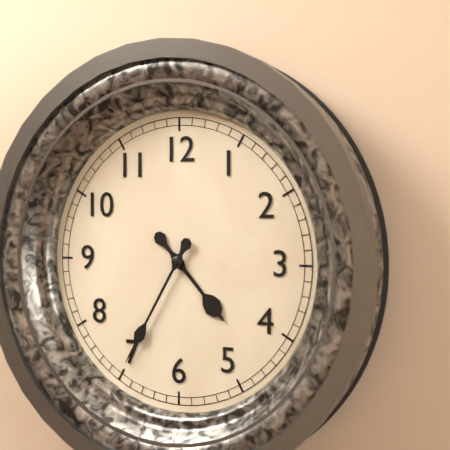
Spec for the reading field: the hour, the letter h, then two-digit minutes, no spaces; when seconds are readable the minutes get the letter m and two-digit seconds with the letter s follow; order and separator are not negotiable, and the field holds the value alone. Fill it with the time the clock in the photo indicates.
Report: 4h35
